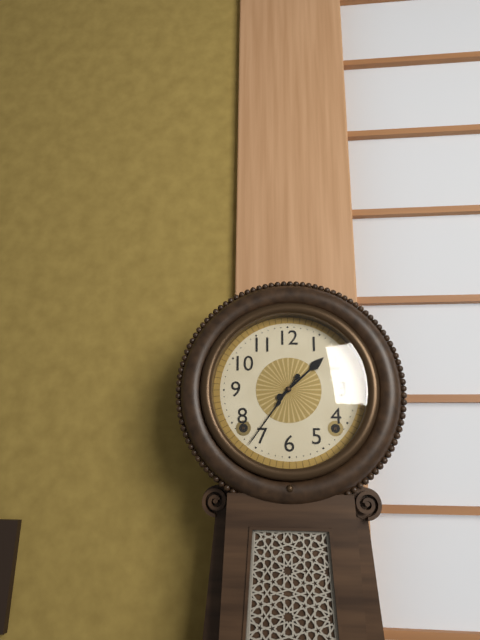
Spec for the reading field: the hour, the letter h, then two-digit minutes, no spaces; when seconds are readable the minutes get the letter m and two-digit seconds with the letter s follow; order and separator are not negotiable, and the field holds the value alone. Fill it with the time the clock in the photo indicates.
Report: 1h36
